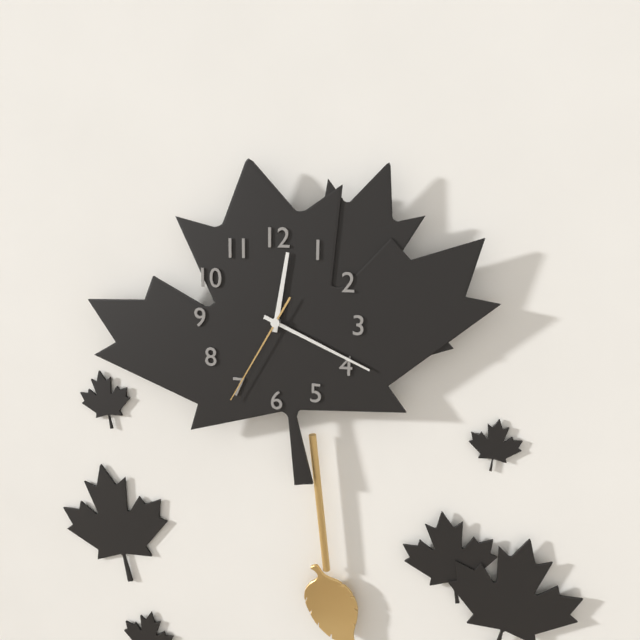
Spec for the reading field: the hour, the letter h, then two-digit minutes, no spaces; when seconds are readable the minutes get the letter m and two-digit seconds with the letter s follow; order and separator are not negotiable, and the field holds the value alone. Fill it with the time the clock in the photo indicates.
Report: 12h19m35s
